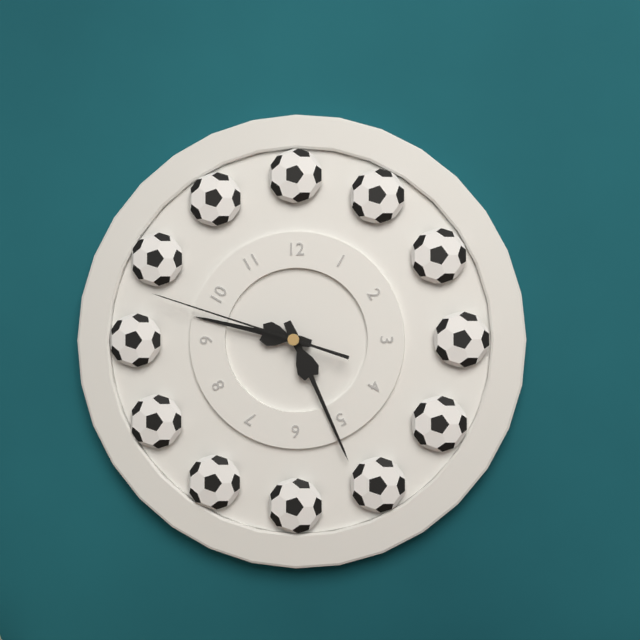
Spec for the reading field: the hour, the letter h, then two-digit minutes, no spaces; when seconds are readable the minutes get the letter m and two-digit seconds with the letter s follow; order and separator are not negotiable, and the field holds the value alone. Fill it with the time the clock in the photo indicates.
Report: 9h26m48s
